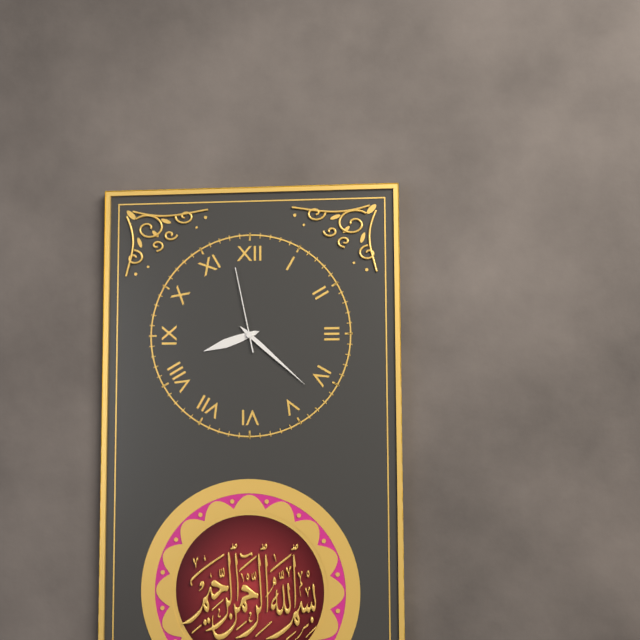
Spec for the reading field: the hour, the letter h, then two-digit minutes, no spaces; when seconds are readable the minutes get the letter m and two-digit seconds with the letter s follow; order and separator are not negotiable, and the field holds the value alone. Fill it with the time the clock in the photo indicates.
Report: 8h22m58s
